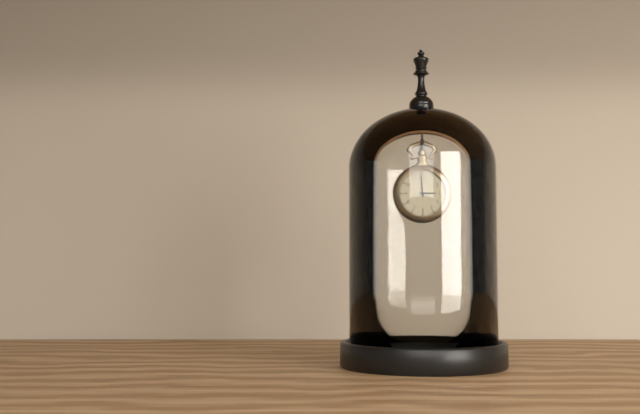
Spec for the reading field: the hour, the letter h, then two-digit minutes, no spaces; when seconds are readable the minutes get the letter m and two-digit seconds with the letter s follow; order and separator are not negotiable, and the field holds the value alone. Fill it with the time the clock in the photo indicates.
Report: 2h59
